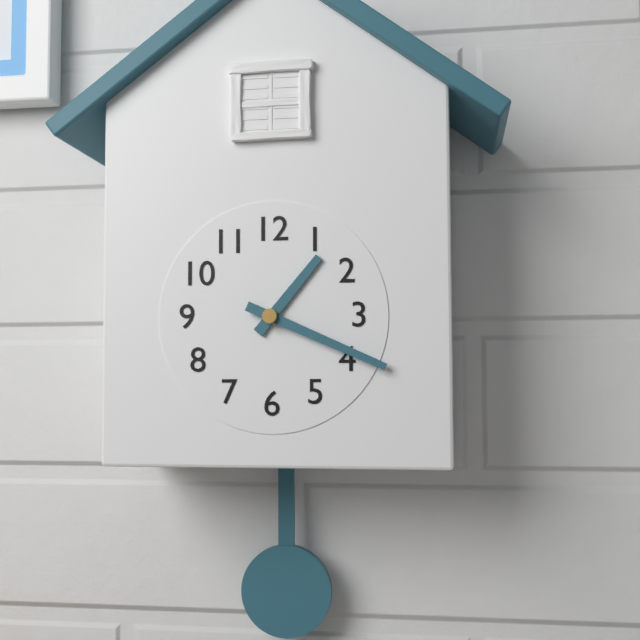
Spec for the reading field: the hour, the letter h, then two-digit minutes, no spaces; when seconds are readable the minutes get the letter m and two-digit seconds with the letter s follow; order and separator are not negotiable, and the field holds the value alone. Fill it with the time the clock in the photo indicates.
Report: 1h19
